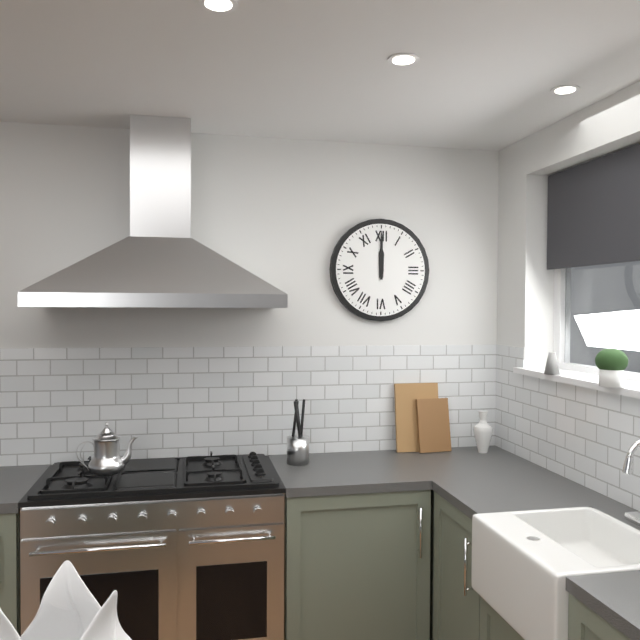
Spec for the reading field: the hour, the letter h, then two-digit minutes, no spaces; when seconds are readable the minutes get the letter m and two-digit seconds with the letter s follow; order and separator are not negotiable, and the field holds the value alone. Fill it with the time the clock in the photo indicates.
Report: 12h00
